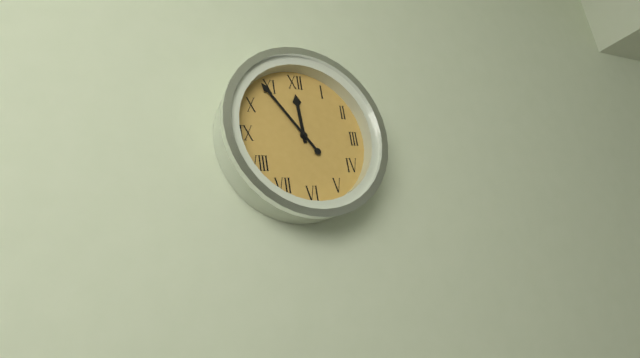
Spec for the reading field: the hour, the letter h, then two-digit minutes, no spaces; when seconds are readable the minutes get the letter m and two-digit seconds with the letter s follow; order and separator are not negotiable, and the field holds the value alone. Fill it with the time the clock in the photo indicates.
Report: 11h54
